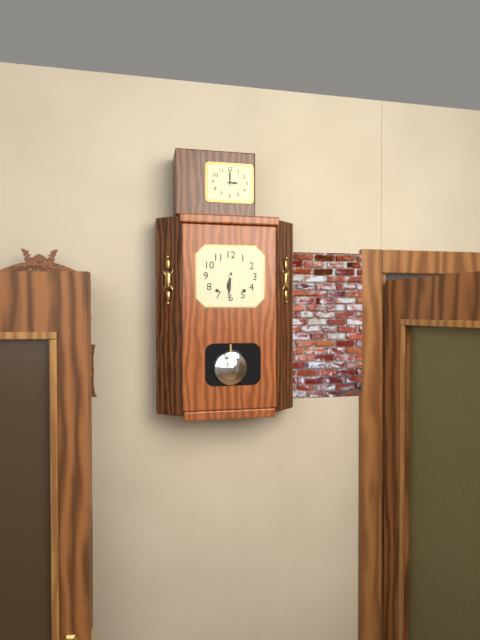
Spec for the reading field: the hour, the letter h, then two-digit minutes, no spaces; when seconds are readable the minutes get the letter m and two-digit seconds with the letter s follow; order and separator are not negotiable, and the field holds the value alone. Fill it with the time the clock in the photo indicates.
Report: 6h31
